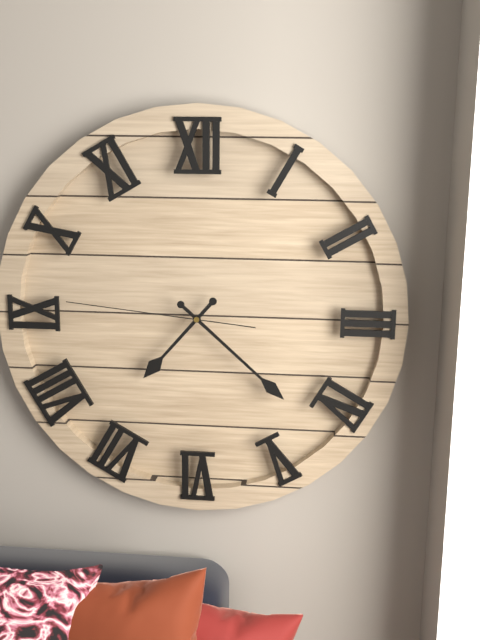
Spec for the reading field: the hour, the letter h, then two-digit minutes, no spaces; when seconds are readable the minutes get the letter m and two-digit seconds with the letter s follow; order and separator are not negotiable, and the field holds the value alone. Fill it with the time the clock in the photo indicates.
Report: 7h22m46s
